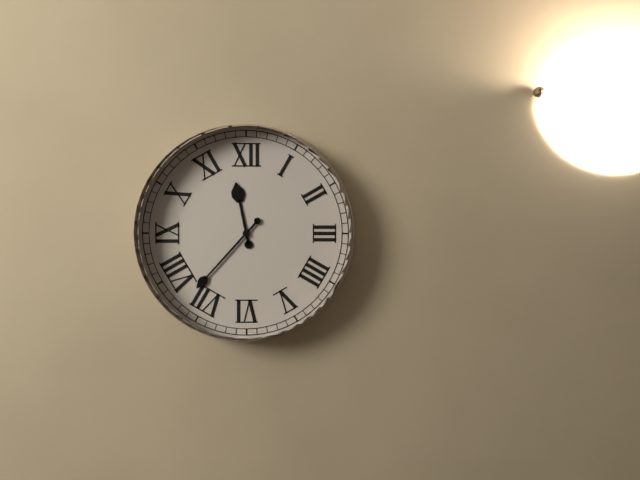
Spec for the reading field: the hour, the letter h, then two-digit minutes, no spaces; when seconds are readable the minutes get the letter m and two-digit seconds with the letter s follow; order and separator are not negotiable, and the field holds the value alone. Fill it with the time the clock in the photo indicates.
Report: 11h37
